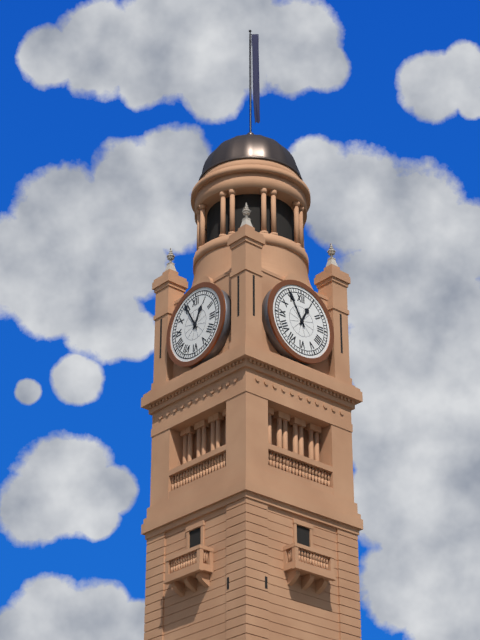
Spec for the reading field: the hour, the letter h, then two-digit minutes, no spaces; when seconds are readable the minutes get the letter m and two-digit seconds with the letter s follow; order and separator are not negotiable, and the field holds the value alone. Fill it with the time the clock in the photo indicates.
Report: 12h55
